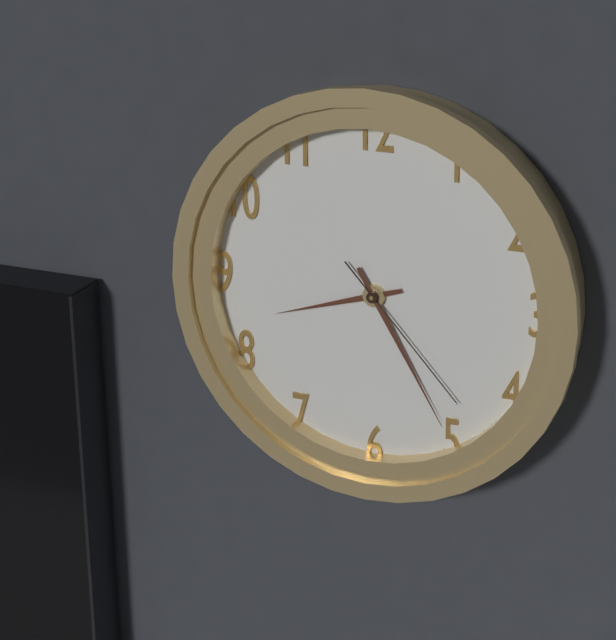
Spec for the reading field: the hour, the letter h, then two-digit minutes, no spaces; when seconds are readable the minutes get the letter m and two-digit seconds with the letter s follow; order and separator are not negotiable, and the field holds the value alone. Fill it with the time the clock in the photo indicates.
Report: 8h25m23s
